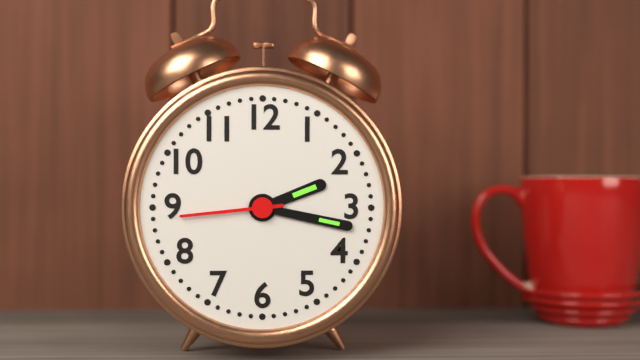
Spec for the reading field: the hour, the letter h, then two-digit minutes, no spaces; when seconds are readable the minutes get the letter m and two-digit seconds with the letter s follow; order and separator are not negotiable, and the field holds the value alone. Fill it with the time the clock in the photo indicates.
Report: 2h17m44s
